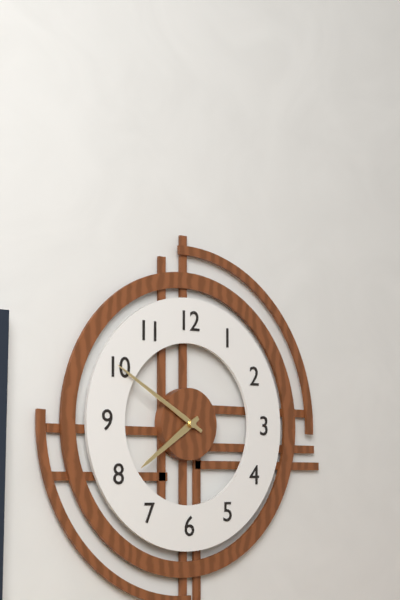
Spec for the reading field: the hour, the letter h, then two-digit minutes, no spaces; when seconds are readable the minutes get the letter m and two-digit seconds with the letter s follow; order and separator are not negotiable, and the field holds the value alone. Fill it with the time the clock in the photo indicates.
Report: 7h50
